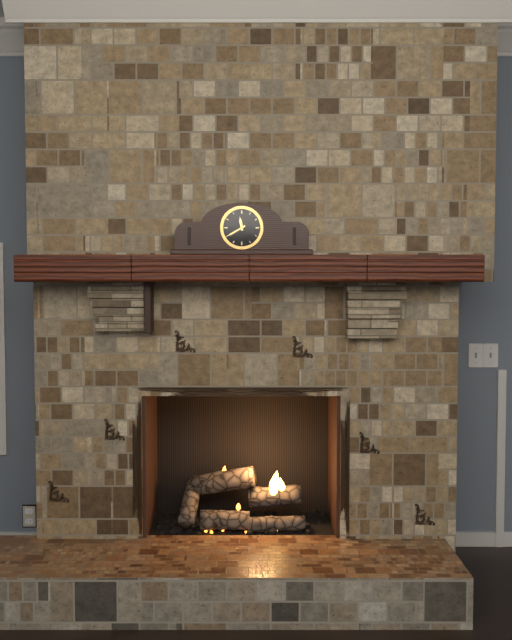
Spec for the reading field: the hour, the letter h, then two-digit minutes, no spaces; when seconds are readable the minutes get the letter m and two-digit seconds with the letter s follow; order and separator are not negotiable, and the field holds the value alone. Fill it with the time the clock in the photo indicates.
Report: 11h40
